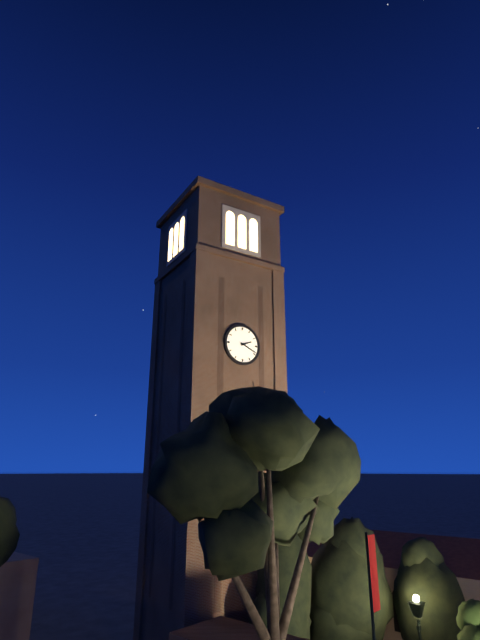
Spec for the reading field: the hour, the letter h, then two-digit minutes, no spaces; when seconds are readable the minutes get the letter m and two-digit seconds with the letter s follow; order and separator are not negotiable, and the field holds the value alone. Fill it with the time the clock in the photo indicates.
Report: 2h19
